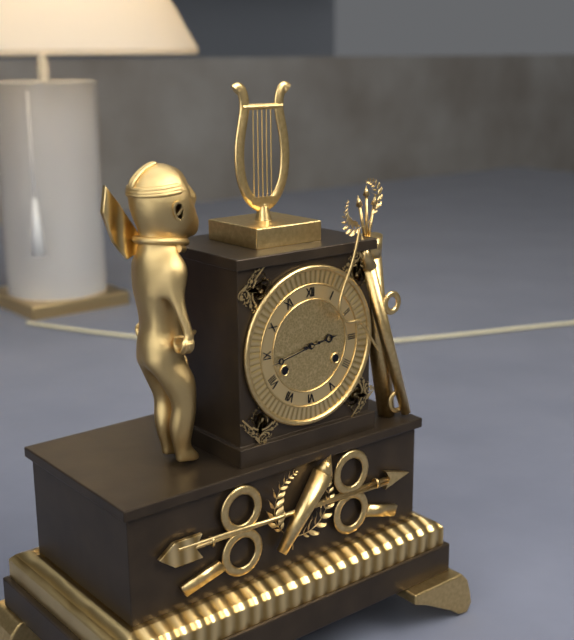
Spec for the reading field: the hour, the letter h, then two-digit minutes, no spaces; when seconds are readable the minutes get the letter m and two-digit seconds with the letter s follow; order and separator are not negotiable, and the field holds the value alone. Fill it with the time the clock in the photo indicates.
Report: 2h43
